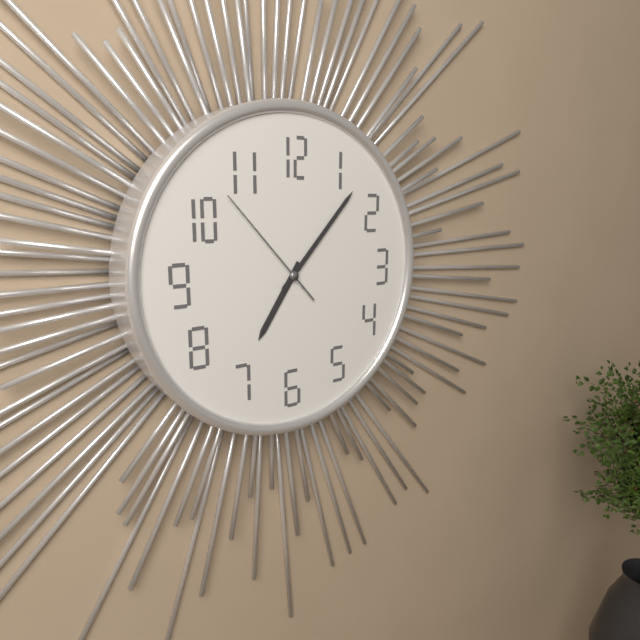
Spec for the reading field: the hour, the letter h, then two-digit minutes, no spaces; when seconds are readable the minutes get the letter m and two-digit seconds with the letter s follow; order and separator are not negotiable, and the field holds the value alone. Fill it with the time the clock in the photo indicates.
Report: 7h07m53s
